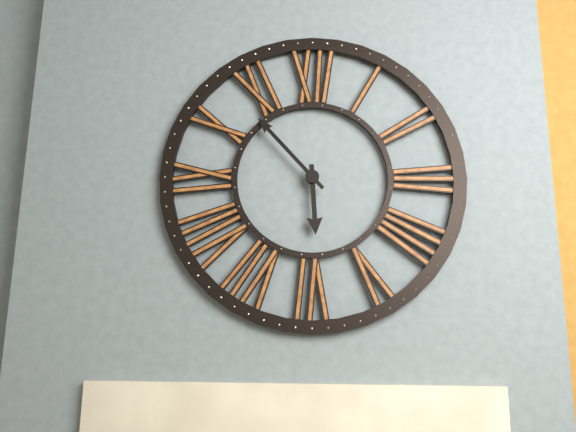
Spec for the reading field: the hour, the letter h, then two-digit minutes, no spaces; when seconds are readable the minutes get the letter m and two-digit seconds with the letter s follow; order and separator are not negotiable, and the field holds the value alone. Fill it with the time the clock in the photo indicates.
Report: 5h53
